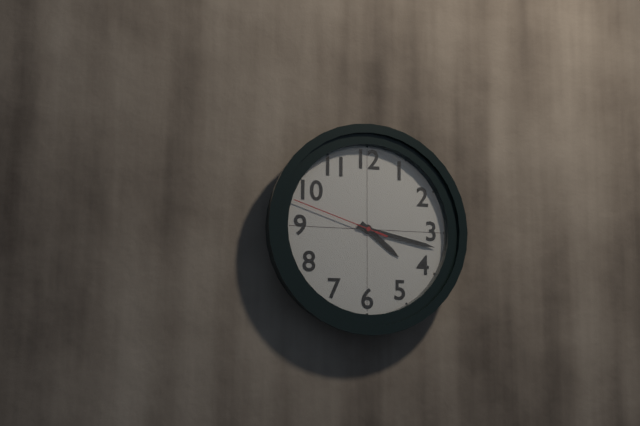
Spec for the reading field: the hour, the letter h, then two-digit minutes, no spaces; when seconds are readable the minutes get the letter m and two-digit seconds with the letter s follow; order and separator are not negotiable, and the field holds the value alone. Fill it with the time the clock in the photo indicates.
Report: 4h17m48s
